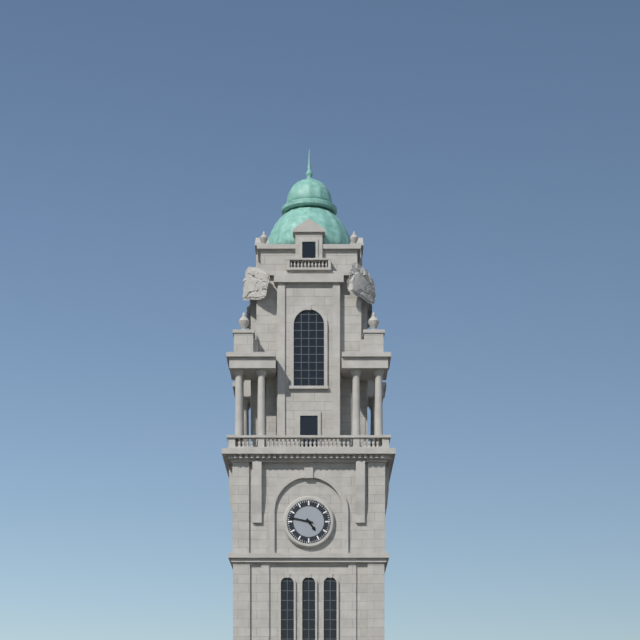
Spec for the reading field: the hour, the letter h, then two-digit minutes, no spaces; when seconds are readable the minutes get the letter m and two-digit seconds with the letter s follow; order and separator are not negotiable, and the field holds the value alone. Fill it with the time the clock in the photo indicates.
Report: 4h47
